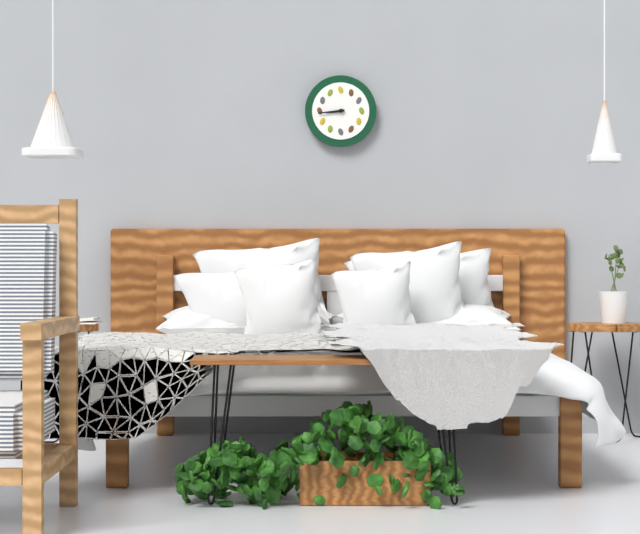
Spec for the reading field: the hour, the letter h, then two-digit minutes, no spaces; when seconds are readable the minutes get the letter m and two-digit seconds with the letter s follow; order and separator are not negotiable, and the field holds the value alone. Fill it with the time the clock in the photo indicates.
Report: 8h44
